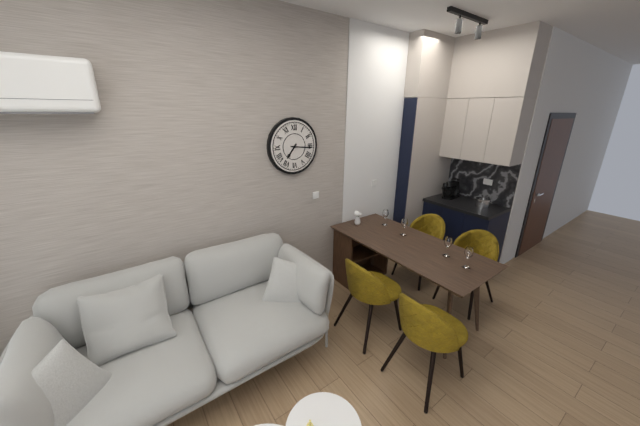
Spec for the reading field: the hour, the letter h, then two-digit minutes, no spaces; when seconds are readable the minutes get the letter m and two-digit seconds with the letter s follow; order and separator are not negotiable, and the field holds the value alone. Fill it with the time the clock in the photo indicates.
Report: 7h16
